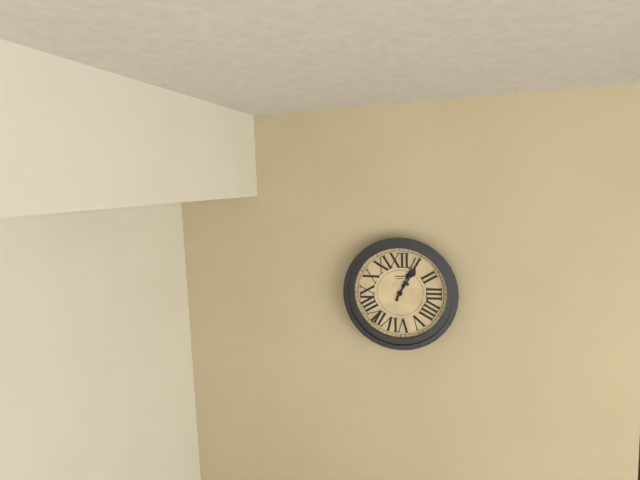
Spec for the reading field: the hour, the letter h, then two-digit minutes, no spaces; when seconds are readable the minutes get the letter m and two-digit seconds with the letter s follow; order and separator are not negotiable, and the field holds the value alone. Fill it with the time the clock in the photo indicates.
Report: 1h04
